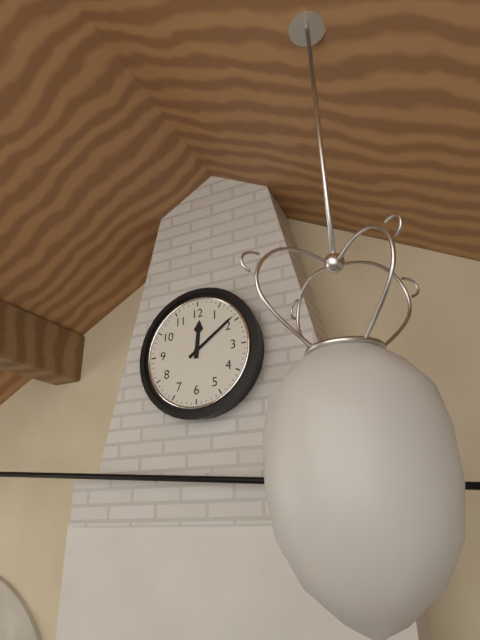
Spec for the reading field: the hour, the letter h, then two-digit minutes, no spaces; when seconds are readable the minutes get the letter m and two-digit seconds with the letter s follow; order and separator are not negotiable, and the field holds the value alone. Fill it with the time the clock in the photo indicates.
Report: 12h09
